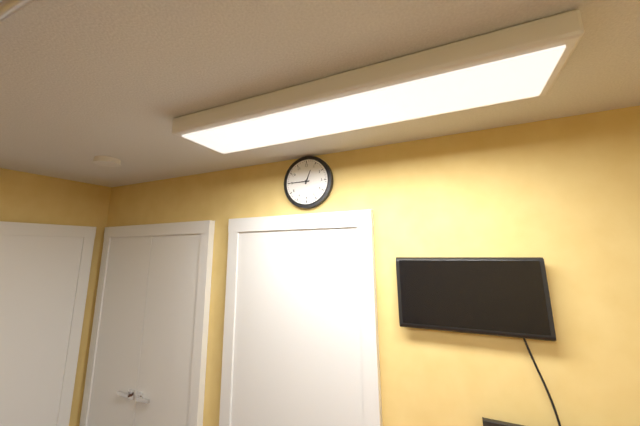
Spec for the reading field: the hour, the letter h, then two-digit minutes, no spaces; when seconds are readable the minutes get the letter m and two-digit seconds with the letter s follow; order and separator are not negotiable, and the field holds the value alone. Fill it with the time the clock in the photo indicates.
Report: 12h45
